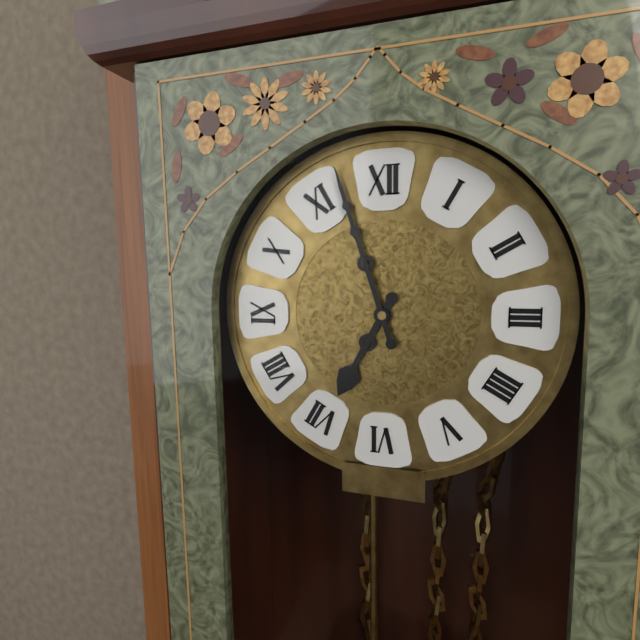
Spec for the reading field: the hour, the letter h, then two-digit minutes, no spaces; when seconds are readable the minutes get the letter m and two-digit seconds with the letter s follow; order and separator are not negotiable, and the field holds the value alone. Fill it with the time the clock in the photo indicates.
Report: 6h57
